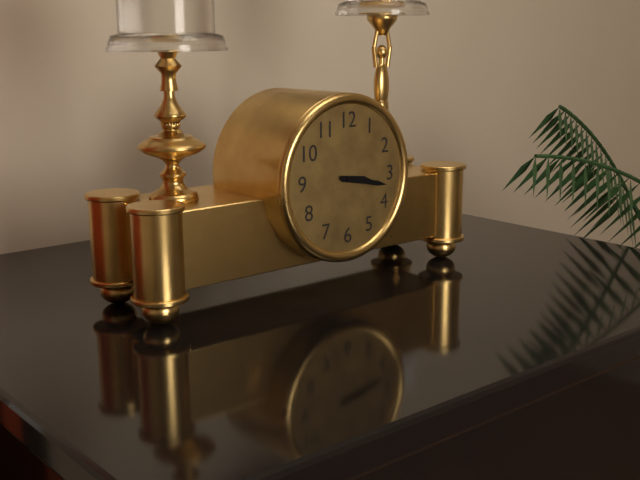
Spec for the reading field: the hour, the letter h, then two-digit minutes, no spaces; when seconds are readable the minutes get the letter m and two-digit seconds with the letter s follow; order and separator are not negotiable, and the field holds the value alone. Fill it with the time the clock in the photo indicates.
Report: 3h17
